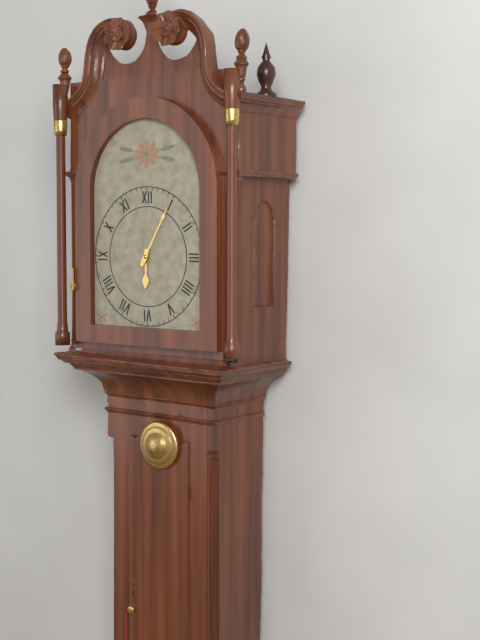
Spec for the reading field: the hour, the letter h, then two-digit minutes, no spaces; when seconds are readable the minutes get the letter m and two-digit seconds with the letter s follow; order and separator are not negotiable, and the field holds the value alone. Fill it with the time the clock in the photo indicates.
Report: 6h05
